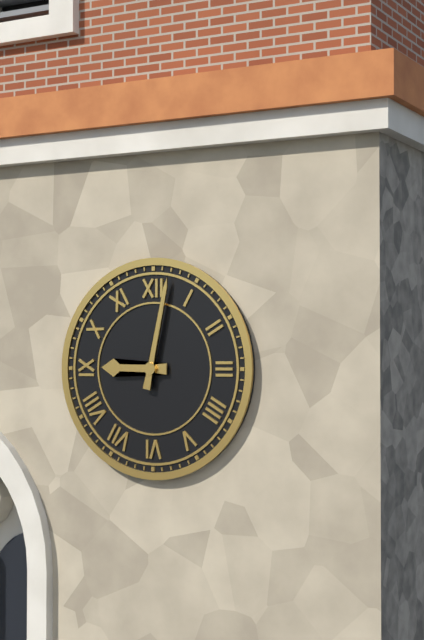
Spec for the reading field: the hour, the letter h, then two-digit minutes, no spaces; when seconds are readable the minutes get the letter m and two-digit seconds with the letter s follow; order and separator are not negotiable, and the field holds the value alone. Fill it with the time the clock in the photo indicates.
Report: 9h02
